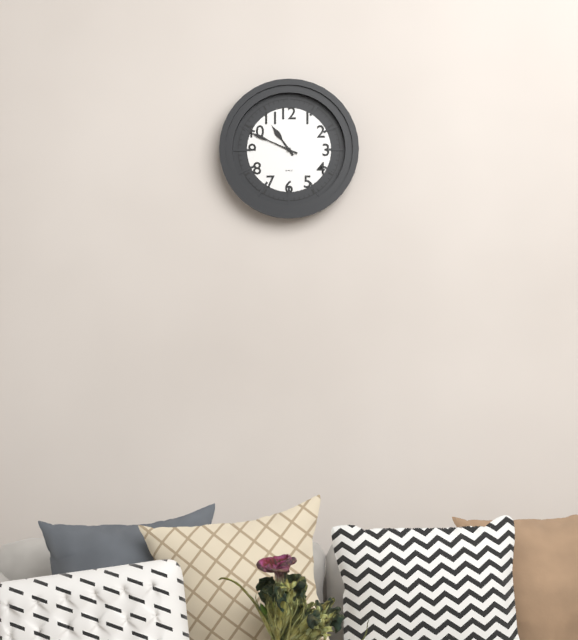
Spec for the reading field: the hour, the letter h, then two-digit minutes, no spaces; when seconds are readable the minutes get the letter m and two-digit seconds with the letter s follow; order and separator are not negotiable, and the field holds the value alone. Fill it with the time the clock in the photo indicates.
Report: 10h49
